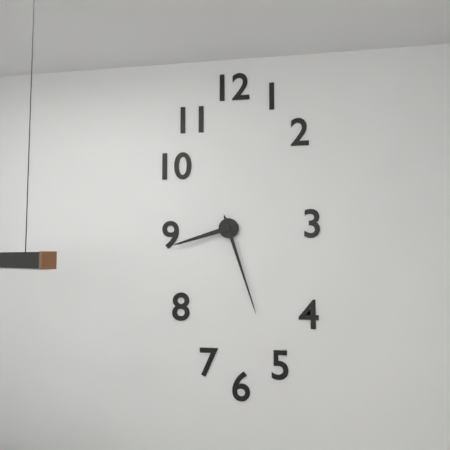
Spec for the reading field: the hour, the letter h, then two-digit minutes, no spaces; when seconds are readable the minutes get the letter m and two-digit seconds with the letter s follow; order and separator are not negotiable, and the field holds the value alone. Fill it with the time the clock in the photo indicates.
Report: 8h27
